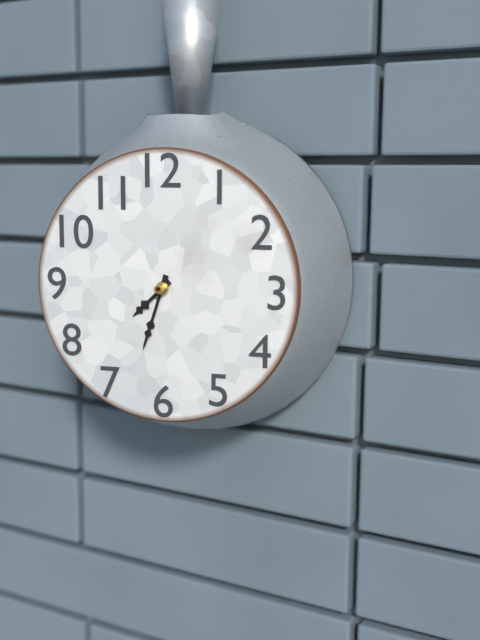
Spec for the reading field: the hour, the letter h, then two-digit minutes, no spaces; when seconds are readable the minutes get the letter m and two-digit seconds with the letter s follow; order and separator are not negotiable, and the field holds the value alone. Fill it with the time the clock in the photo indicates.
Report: 7h33
